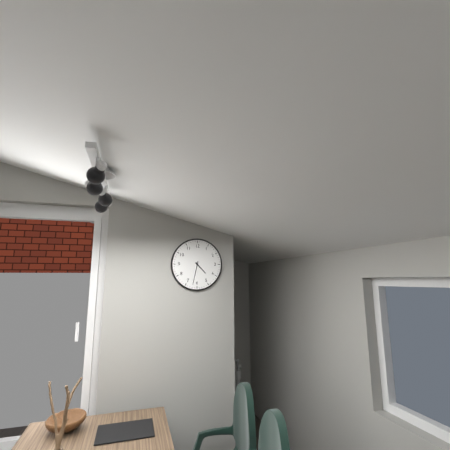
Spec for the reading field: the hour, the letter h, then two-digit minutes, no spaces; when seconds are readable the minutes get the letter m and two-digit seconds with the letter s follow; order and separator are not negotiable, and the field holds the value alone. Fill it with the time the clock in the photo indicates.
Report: 4h32
